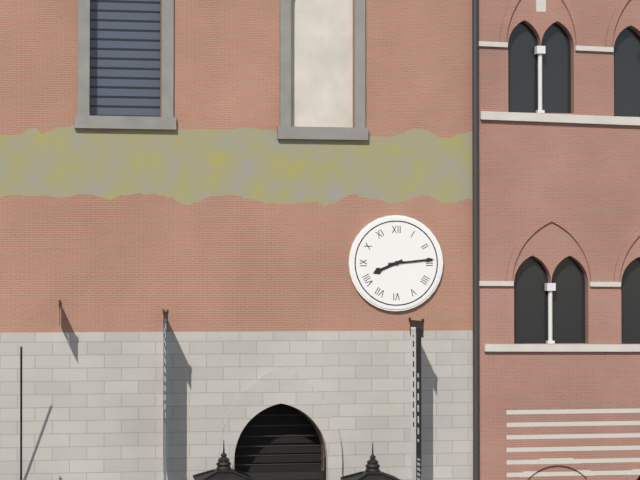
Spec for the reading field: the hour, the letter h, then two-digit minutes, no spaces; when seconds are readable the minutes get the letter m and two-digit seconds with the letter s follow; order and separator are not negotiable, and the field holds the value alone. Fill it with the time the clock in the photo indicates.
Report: 8h14
